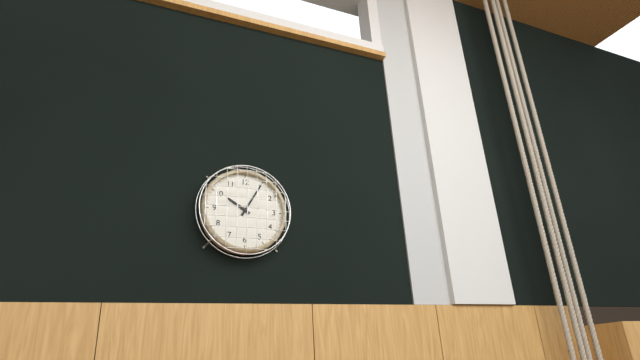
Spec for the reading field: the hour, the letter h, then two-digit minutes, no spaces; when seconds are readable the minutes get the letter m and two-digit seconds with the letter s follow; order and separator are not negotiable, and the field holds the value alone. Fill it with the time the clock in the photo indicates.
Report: 10h05
